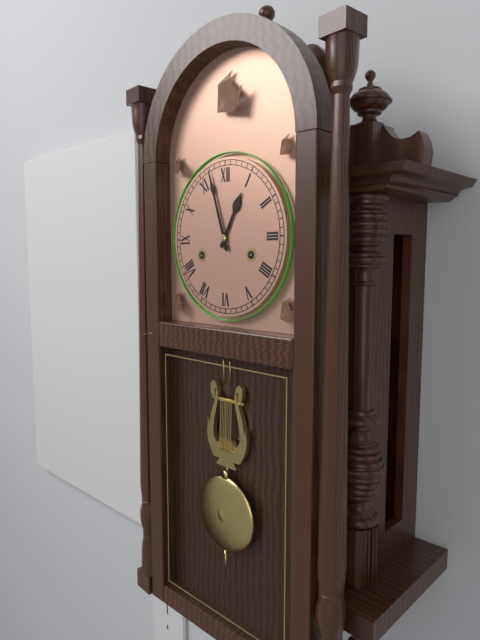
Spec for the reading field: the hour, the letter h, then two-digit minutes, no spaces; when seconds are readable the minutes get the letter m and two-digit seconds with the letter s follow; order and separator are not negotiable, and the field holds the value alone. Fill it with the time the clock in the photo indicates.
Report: 12h57
